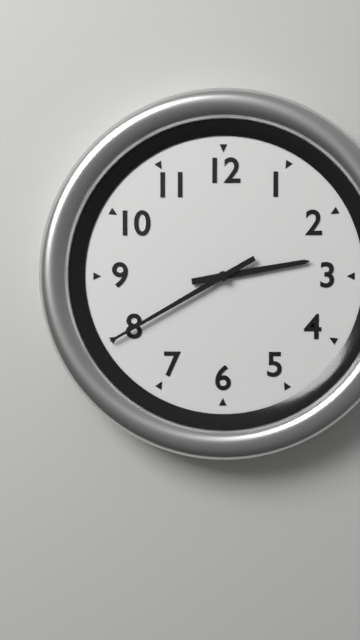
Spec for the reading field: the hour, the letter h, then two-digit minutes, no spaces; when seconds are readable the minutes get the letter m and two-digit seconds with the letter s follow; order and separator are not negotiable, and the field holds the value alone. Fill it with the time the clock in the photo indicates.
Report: 2h40
